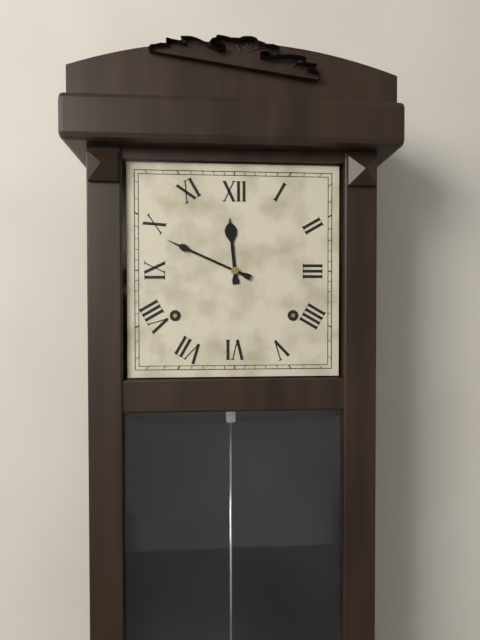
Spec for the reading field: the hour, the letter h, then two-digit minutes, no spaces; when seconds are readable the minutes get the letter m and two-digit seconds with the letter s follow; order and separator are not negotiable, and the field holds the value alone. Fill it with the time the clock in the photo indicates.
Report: 11h49
